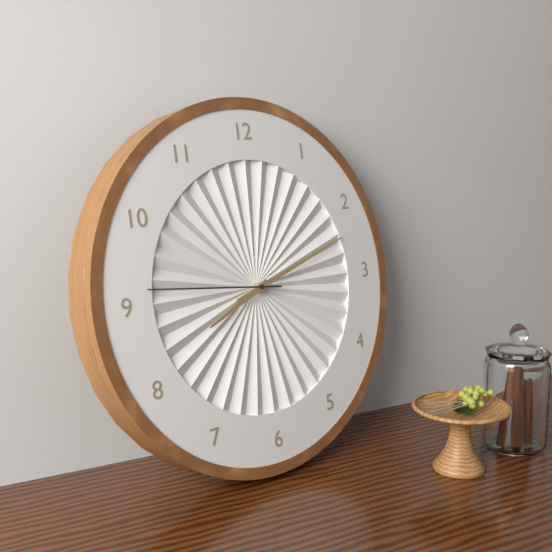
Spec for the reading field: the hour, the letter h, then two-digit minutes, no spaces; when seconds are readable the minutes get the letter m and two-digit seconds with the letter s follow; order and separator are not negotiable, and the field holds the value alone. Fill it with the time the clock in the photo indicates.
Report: 8h12m46s
